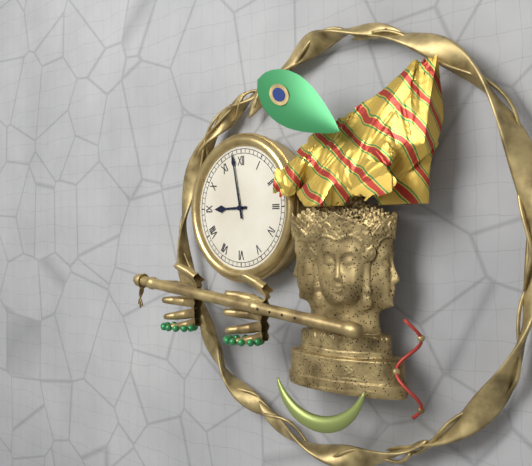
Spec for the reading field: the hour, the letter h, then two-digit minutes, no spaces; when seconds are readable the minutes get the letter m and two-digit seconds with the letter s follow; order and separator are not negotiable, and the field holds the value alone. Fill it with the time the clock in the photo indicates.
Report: 8h58
